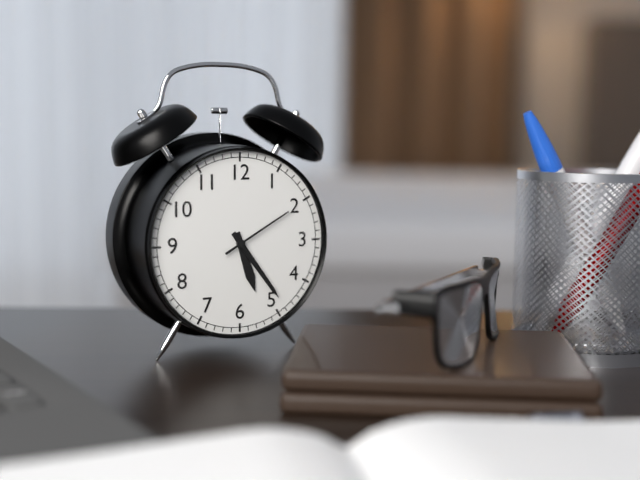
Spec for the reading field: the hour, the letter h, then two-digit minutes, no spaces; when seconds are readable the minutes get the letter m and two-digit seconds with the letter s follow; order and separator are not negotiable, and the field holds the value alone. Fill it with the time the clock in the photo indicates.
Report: 5h24m10s
